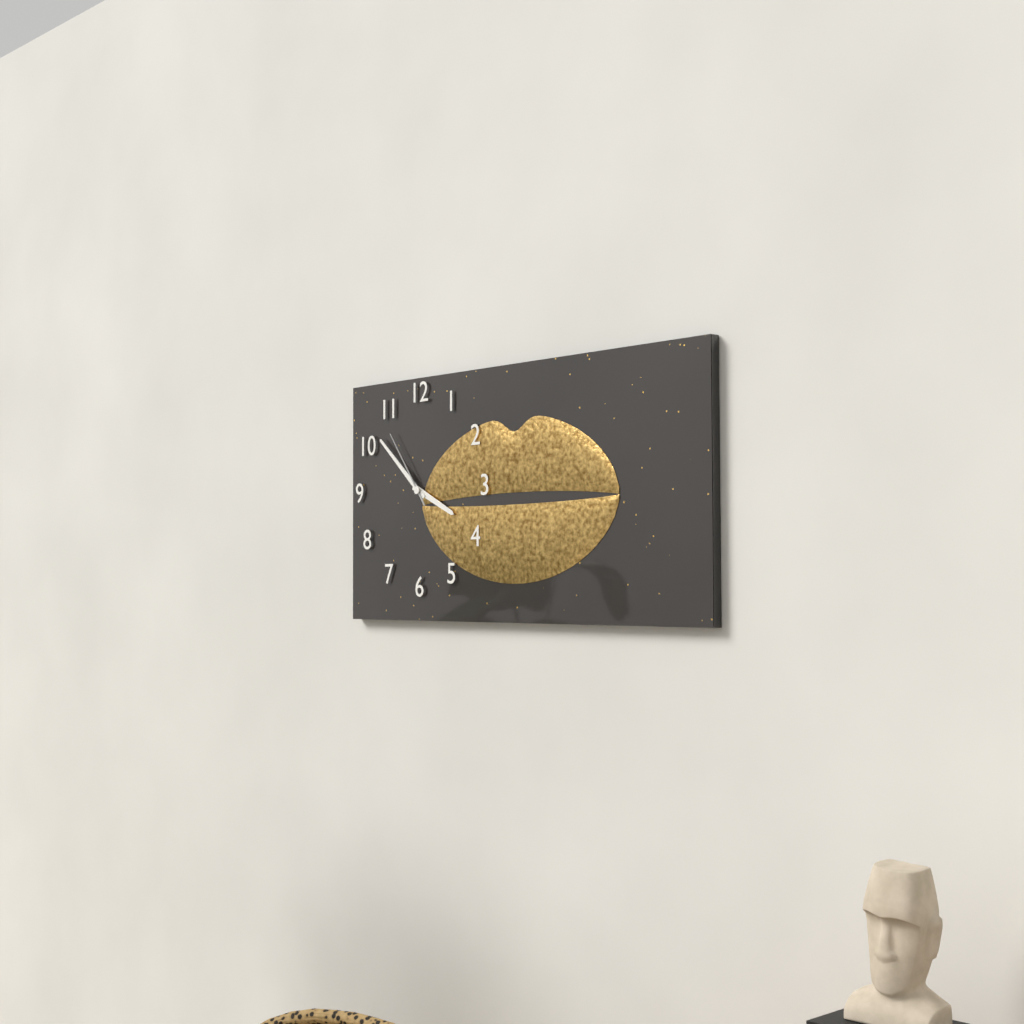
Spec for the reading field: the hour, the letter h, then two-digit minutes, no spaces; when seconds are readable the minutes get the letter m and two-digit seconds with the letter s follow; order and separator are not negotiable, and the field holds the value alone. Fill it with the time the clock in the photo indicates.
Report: 3h52m54s
